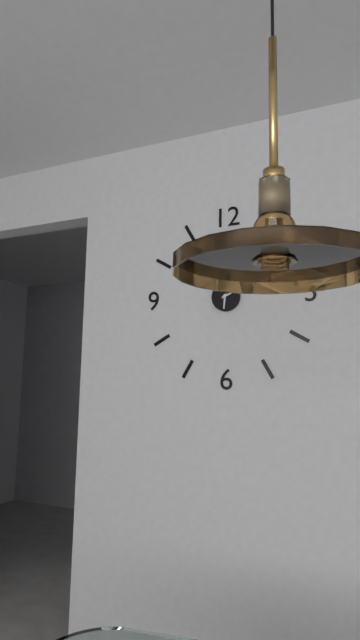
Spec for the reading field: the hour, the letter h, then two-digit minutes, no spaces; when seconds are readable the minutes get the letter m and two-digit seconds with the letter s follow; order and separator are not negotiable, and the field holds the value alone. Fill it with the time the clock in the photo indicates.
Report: 6h11
